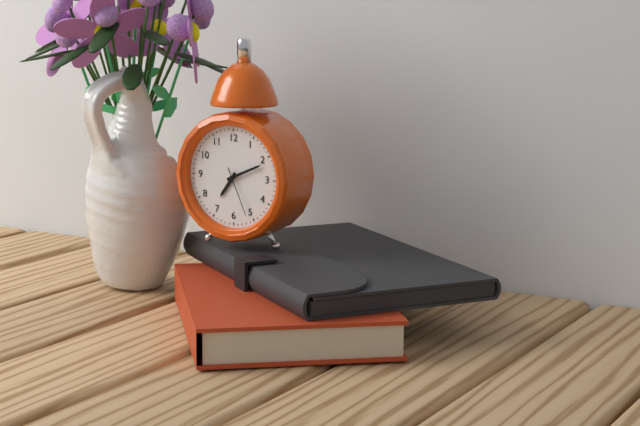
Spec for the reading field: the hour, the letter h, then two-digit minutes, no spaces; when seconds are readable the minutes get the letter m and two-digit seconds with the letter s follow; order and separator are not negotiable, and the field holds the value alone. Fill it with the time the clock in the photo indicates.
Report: 7h11m26s
